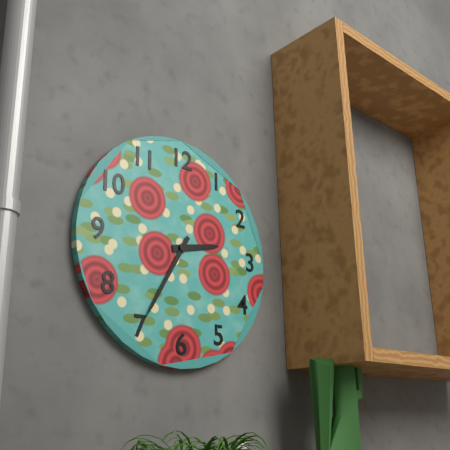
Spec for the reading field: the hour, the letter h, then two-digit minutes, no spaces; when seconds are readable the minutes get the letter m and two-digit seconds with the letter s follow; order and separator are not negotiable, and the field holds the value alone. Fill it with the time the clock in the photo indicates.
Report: 2h35
